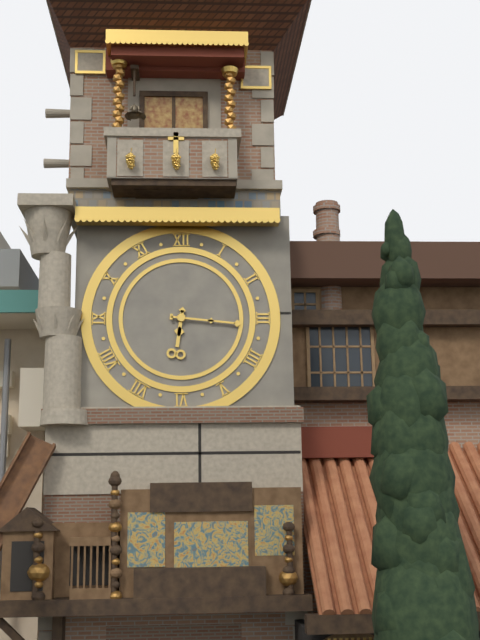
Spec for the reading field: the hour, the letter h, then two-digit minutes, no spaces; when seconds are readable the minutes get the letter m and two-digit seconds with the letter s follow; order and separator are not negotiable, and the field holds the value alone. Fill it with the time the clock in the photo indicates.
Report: 6h16
